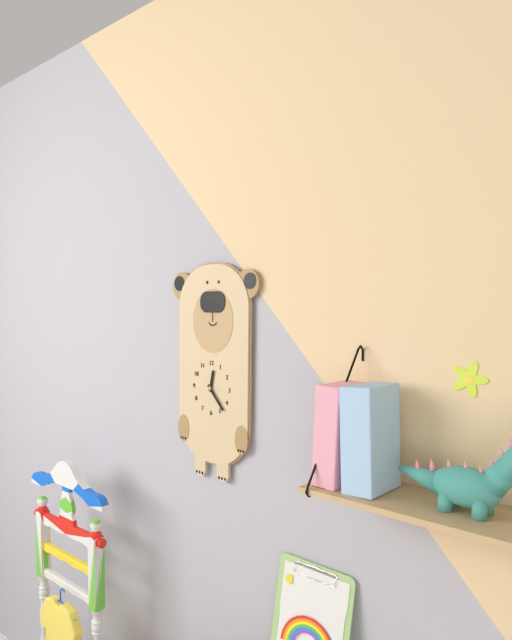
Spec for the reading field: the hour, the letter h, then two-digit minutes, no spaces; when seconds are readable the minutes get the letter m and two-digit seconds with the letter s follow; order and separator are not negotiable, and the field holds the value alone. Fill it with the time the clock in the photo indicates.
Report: 12h23
